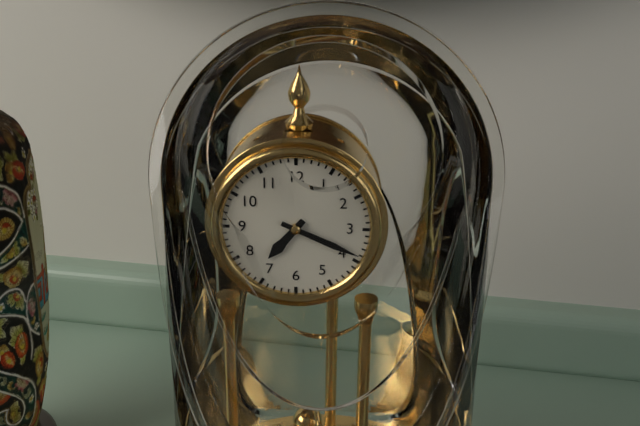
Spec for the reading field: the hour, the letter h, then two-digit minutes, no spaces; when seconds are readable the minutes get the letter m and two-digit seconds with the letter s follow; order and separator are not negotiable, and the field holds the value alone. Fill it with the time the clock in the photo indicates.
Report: 7h19
